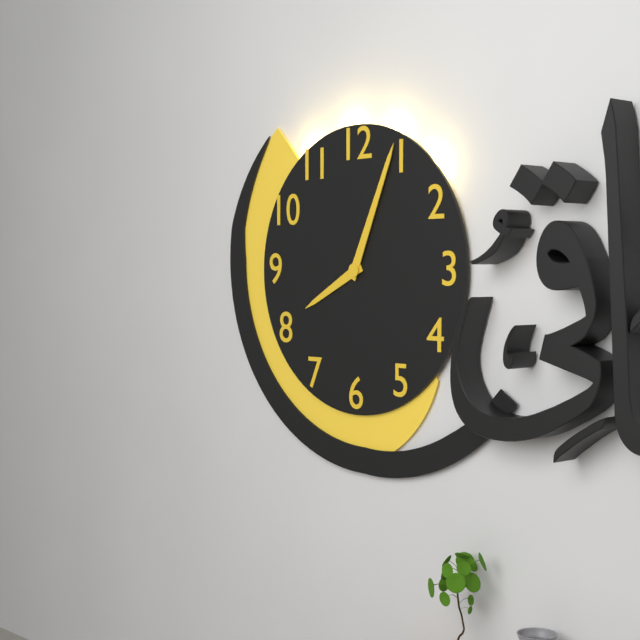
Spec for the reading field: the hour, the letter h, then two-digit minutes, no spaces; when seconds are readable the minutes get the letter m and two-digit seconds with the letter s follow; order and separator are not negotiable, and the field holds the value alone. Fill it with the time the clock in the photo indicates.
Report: 8h04
